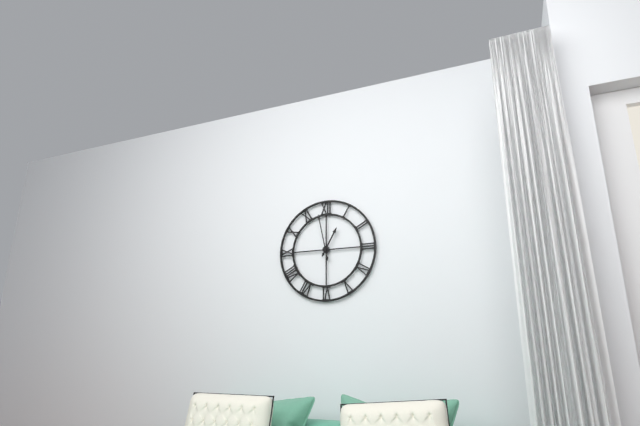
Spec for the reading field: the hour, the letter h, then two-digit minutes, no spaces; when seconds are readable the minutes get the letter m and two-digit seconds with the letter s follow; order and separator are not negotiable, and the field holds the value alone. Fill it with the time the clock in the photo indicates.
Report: 12h58
